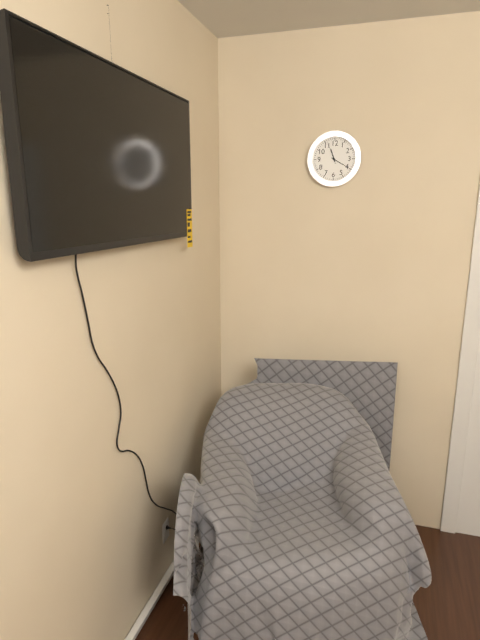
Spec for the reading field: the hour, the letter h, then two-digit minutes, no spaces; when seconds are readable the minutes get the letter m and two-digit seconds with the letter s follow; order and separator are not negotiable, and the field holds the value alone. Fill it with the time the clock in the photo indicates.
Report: 11h20
